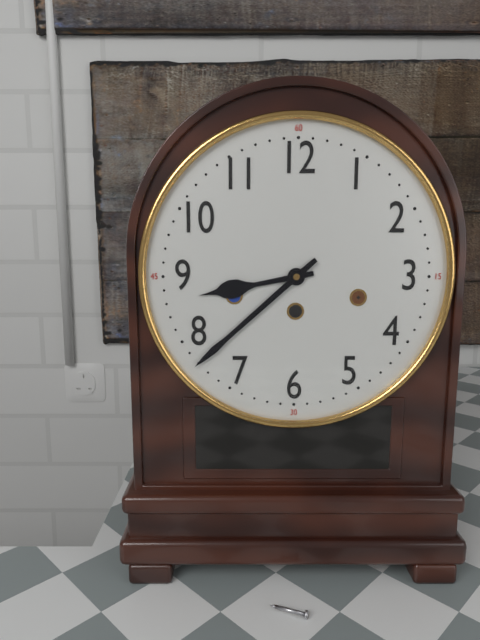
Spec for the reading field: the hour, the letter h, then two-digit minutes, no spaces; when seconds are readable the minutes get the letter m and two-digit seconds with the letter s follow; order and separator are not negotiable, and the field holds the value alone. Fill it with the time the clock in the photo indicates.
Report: 8h38
